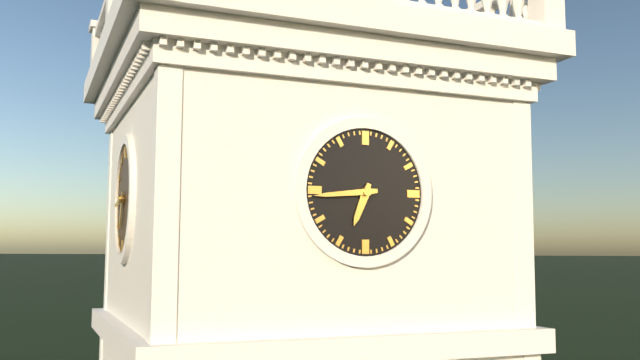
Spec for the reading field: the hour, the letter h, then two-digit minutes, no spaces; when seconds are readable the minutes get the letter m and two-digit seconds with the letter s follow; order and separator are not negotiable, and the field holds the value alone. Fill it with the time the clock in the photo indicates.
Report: 6h44
